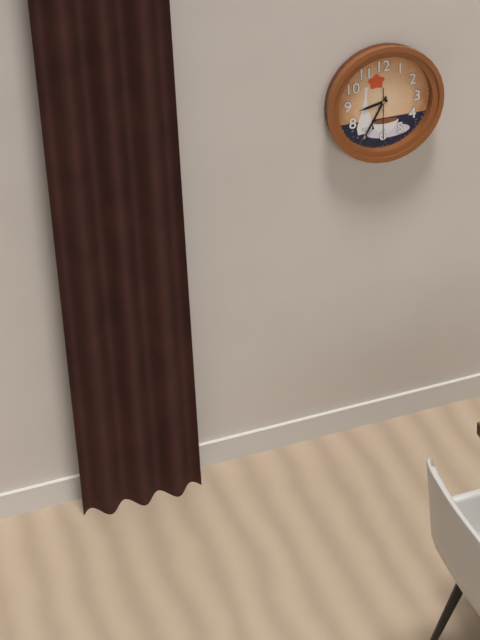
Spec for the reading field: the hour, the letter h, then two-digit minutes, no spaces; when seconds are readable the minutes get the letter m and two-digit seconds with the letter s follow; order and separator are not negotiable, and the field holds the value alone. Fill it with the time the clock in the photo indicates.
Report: 8h35
